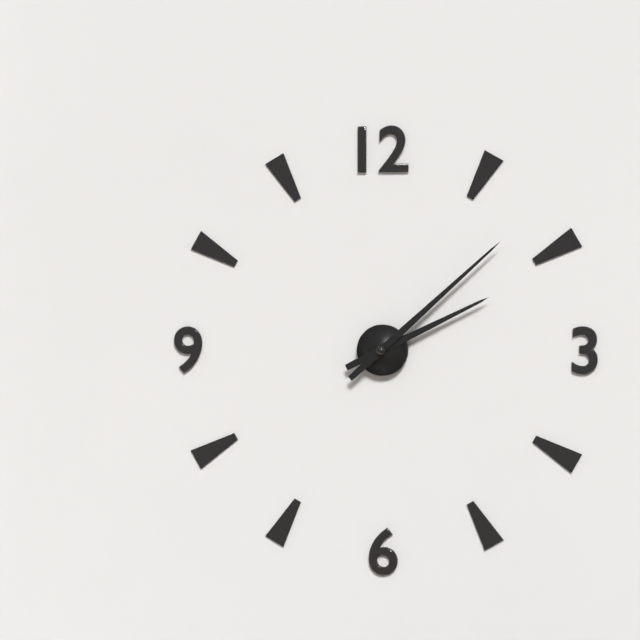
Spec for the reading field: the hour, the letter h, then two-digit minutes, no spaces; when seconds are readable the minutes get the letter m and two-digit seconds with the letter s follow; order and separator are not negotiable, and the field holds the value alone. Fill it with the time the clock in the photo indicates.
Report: 2h08
